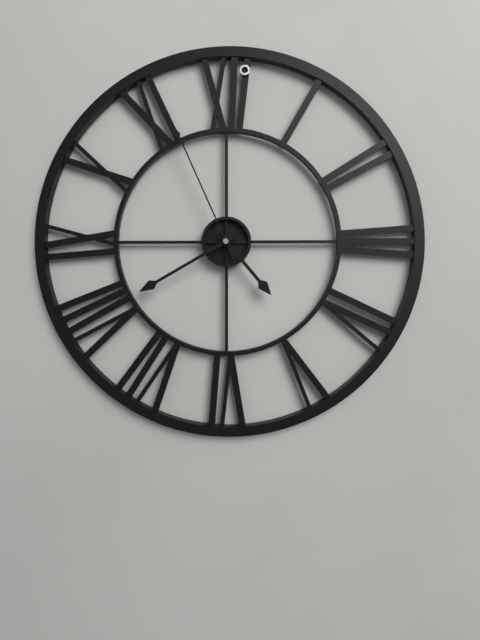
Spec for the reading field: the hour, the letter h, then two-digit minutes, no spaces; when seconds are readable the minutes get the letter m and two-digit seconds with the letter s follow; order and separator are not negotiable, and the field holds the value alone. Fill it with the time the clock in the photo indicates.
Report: 4h40m56s
